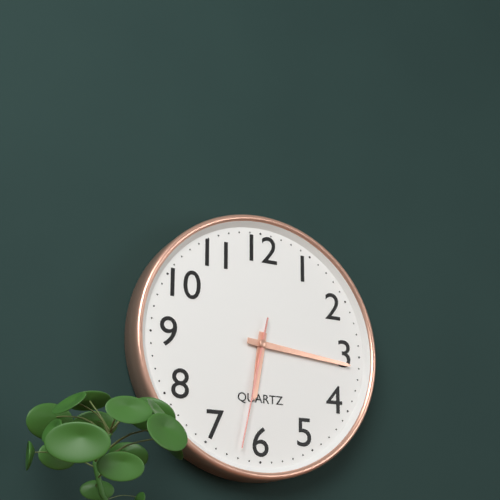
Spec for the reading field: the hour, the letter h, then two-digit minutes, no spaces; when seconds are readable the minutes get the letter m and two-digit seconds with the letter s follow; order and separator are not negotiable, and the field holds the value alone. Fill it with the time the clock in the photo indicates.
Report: 6h16m32s
